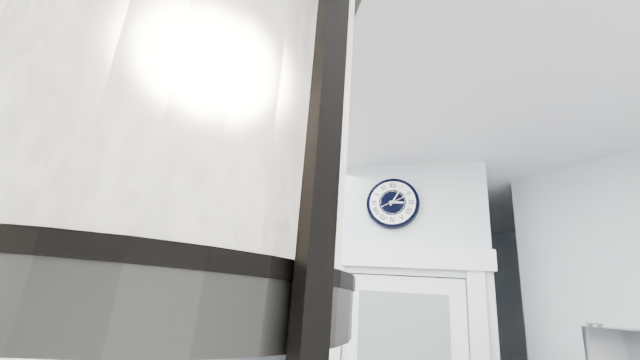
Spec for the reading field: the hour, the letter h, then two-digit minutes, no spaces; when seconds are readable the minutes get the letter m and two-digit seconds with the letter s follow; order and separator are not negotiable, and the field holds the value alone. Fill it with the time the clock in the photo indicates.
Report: 3h05
